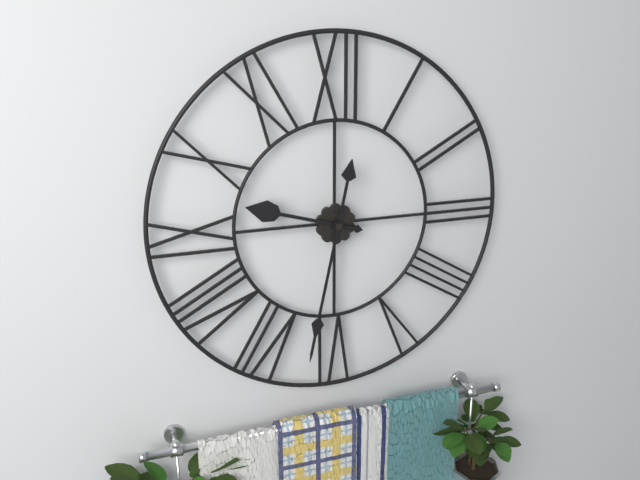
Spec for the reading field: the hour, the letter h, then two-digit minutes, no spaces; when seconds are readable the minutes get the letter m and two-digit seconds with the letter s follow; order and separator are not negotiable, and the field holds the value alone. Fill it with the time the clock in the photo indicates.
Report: 9h32
